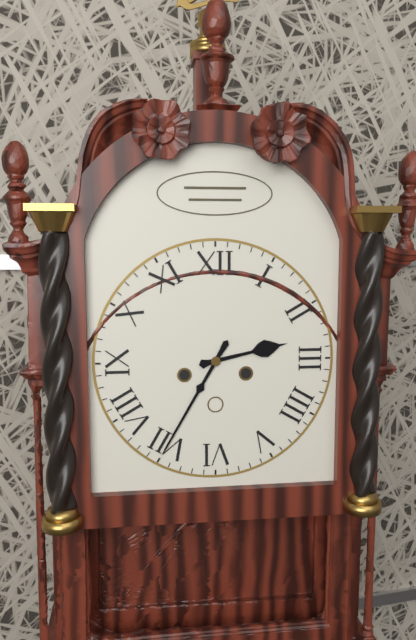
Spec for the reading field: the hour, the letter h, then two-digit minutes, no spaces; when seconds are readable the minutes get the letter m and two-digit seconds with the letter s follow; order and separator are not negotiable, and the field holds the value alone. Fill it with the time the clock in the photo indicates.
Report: 2h35
